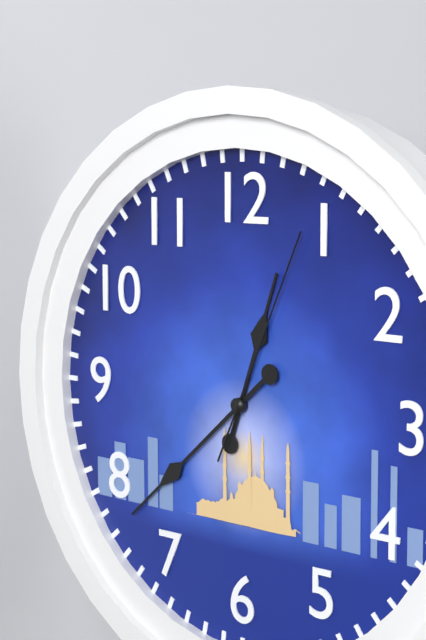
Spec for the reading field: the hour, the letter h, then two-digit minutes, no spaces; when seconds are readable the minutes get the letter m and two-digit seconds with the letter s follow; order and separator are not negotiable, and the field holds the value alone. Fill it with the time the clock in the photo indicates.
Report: 12h38m04s
